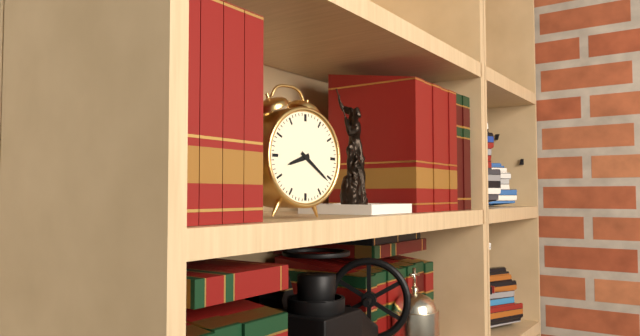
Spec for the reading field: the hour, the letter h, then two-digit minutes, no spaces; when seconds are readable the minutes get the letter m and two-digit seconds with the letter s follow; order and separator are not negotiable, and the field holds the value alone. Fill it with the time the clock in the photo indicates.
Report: 8h21
